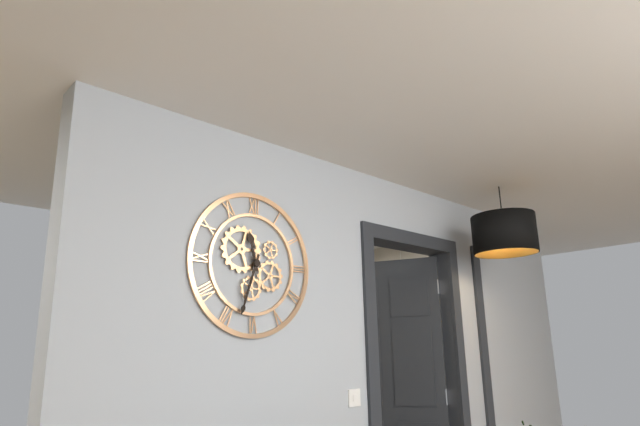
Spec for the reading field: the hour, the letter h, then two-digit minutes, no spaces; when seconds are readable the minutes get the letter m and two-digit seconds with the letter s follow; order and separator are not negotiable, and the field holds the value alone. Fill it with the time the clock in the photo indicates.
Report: 11h33
